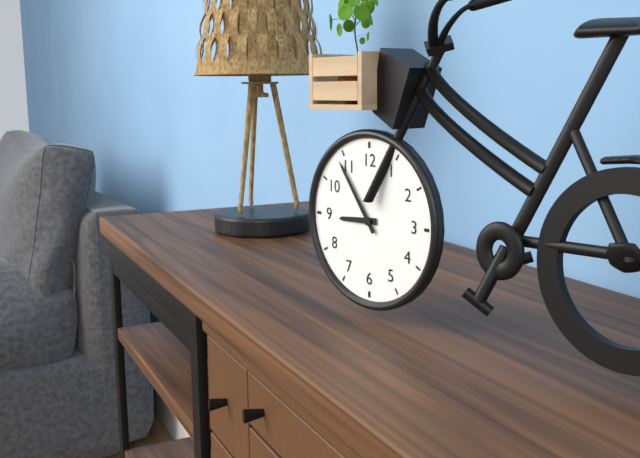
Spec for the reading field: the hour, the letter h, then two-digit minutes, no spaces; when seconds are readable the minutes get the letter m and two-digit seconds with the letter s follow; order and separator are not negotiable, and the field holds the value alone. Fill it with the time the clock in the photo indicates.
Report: 8h54
